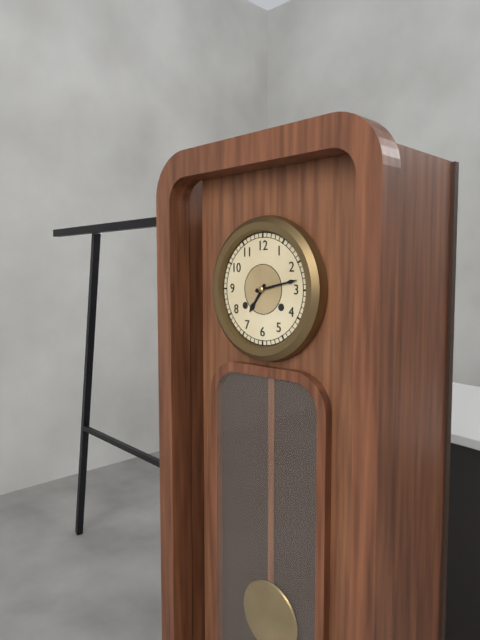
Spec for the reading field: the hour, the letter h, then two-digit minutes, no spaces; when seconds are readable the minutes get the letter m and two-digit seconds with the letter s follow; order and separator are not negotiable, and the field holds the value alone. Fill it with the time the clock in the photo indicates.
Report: 7h13
